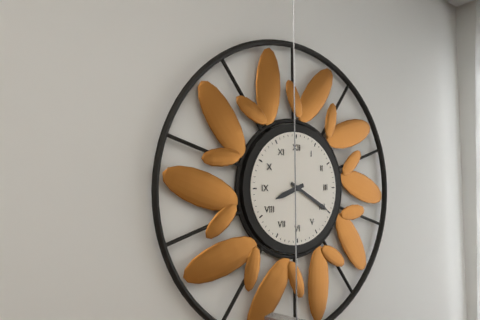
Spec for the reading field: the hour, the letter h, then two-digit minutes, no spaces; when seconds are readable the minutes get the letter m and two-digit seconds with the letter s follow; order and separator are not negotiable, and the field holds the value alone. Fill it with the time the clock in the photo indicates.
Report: 8h20
